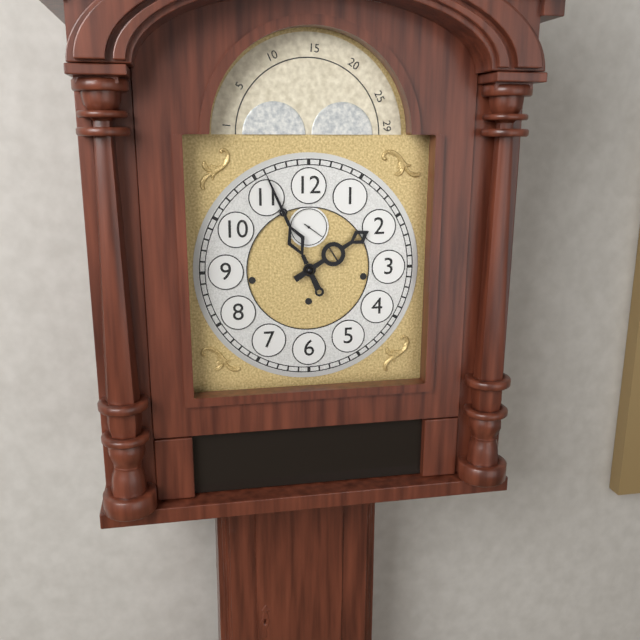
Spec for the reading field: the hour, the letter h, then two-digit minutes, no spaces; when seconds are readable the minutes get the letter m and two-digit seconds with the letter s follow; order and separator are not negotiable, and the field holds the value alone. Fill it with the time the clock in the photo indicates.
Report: 1h56
